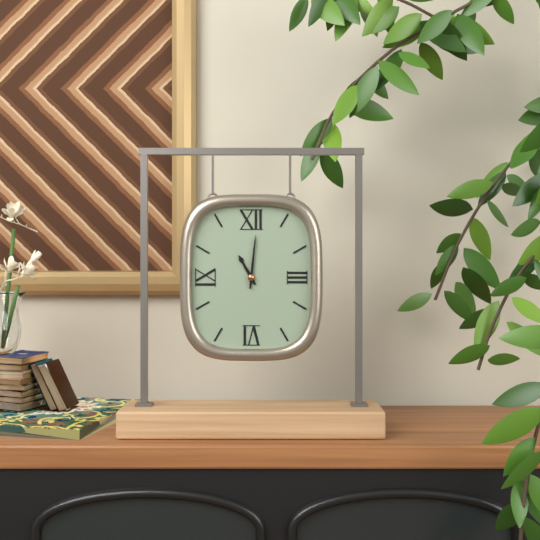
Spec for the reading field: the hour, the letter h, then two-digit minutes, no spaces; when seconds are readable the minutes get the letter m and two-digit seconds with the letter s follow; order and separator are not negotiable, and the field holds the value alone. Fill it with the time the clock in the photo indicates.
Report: 11h01
